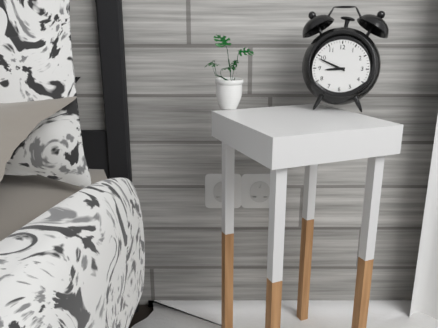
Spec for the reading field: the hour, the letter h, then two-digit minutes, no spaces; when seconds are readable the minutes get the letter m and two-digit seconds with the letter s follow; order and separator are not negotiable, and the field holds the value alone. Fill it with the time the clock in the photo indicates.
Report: 8h49
